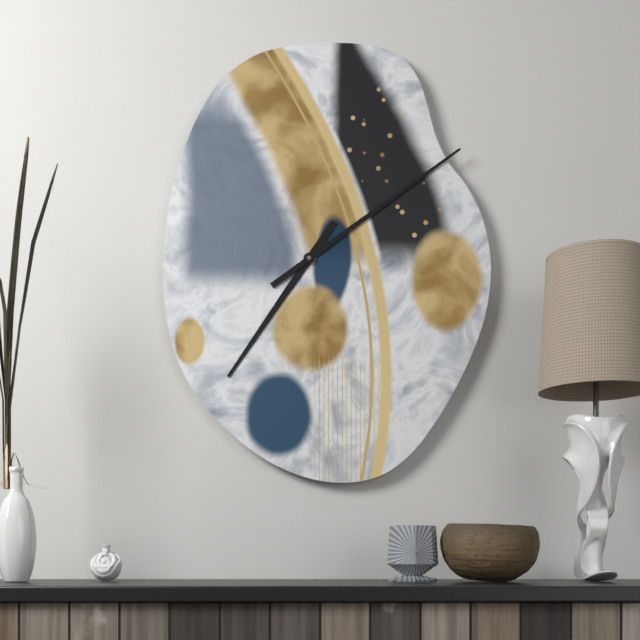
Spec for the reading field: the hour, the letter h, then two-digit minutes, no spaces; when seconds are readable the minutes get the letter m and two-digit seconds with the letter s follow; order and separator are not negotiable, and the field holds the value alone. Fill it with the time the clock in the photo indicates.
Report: 7h09
